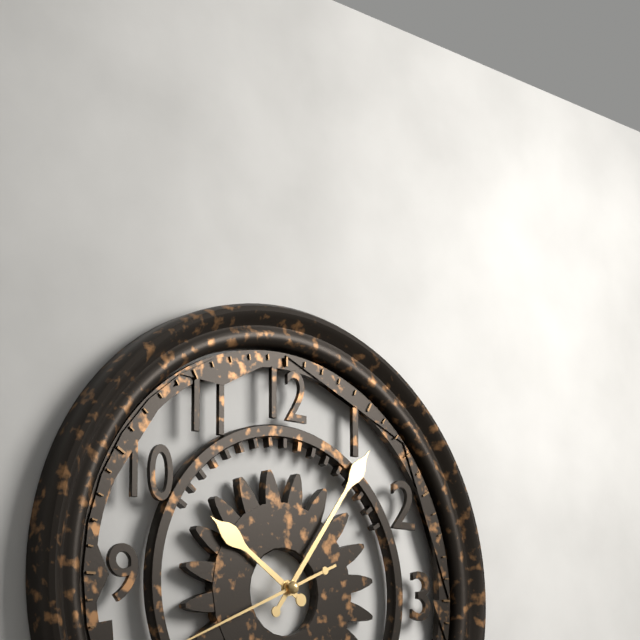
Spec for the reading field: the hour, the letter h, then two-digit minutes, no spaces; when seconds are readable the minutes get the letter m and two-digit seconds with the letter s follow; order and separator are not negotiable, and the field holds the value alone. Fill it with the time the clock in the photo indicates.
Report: 10h06
